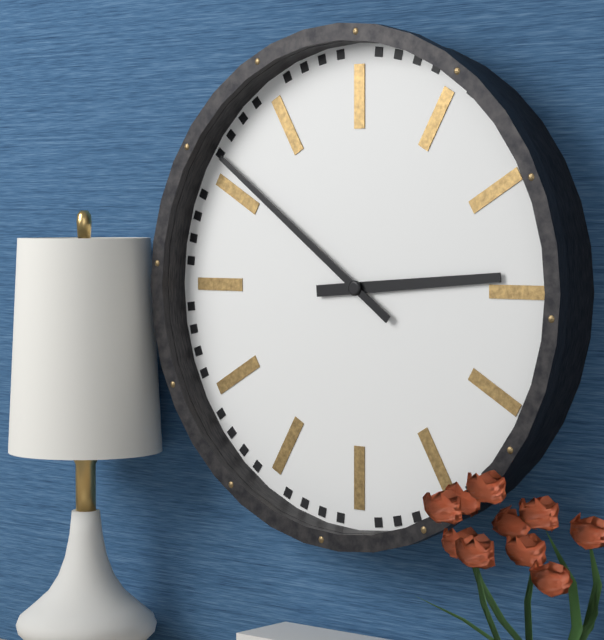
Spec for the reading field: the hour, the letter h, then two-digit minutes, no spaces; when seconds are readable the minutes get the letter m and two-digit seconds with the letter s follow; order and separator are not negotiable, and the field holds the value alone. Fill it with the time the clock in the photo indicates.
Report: 2h51
